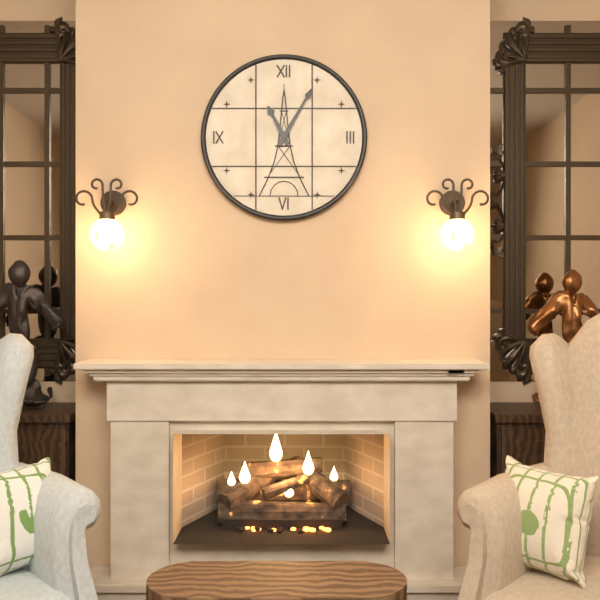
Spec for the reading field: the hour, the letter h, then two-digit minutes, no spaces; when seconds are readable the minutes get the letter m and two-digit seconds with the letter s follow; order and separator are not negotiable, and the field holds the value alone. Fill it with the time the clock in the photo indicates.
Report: 11h05
